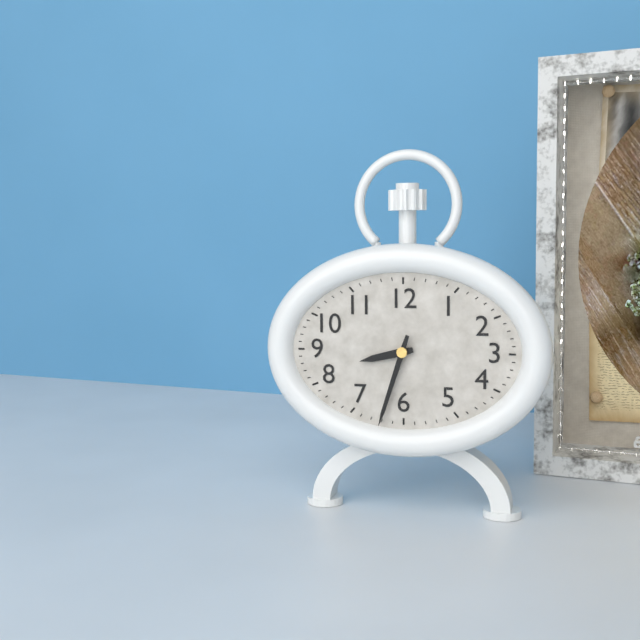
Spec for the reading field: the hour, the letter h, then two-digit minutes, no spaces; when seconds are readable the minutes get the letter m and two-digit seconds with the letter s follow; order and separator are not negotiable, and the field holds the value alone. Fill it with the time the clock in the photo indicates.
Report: 8h33
